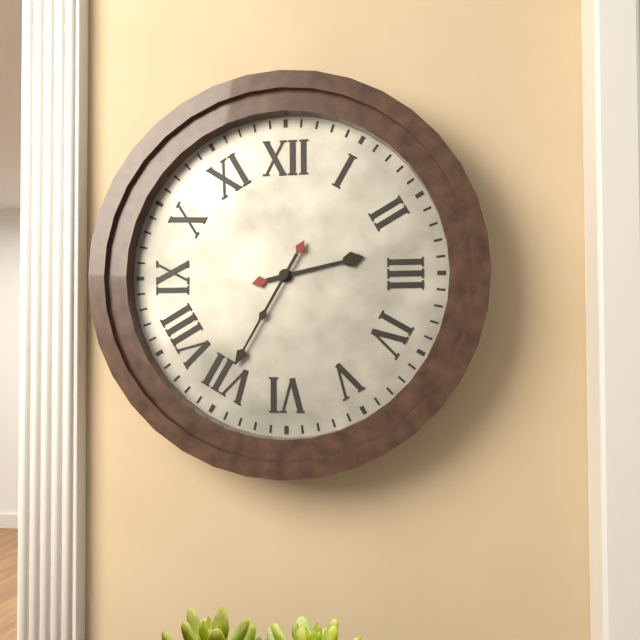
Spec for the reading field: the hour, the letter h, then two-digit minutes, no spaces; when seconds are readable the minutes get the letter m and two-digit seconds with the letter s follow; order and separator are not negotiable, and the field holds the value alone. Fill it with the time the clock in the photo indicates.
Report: 2h35
